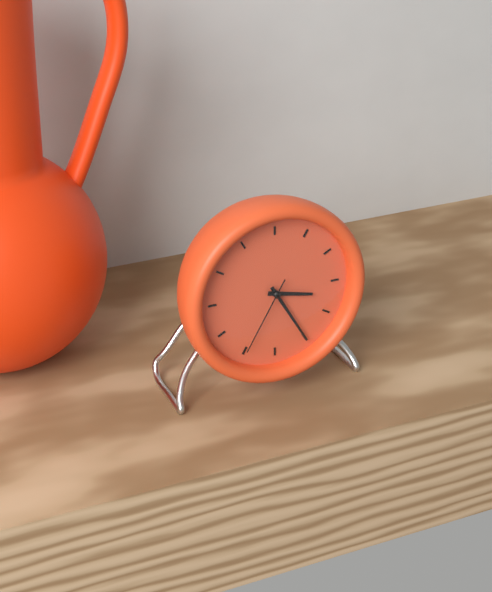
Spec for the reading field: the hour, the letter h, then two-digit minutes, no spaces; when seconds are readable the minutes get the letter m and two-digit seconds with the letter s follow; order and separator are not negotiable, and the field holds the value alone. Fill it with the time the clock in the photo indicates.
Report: 3h25m35s
